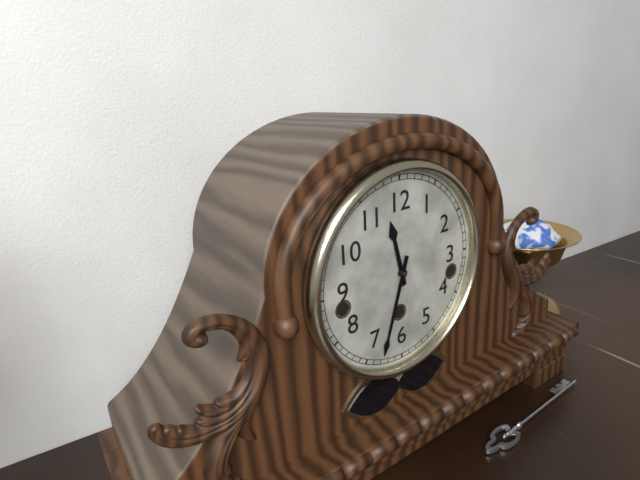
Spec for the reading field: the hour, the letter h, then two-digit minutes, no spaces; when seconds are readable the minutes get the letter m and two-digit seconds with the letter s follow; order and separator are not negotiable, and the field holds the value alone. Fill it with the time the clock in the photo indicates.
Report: 11h33
